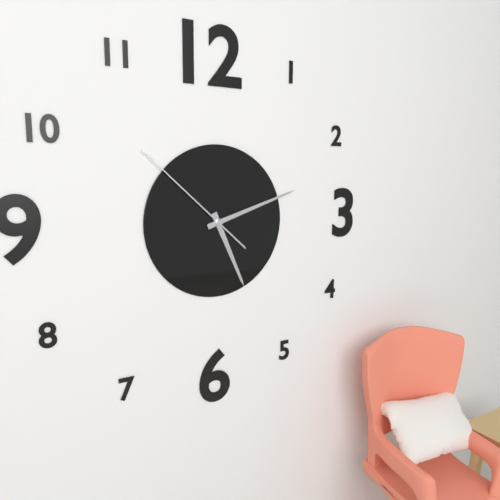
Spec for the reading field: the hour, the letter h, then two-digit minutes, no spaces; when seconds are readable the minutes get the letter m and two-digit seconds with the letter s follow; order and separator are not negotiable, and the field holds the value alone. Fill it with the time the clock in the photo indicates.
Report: 5h12m52s
